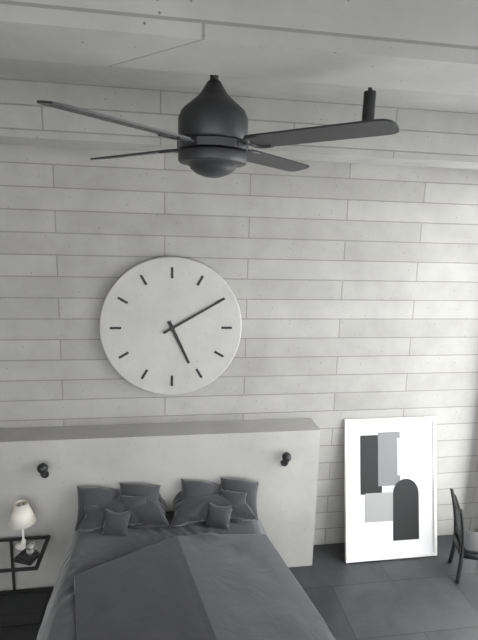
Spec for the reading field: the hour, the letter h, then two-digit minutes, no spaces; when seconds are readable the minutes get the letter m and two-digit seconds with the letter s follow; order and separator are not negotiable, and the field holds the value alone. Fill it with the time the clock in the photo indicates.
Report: 5h10
